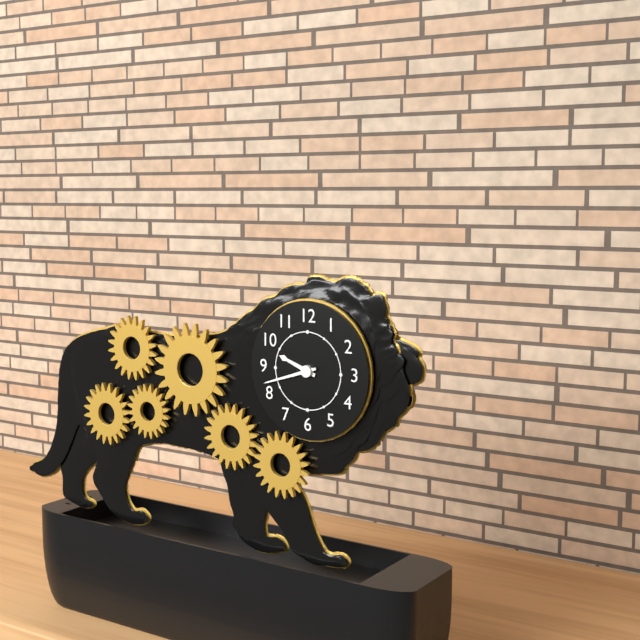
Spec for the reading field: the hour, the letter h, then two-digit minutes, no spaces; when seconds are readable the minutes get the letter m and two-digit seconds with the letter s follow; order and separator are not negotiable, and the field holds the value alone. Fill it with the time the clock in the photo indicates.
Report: 9h42
